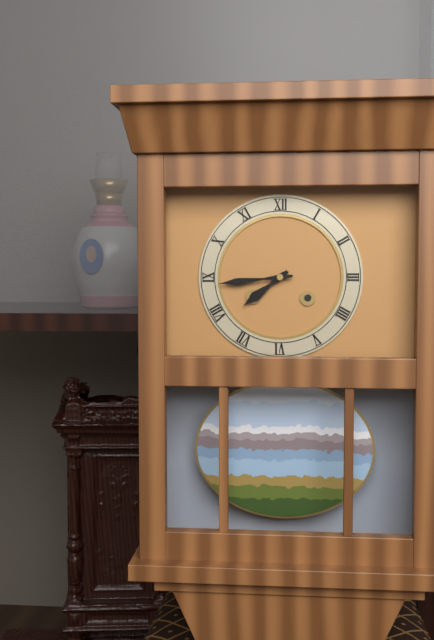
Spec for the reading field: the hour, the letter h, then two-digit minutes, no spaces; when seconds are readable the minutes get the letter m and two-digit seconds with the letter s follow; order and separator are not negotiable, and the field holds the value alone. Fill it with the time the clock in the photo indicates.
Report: 7h44
